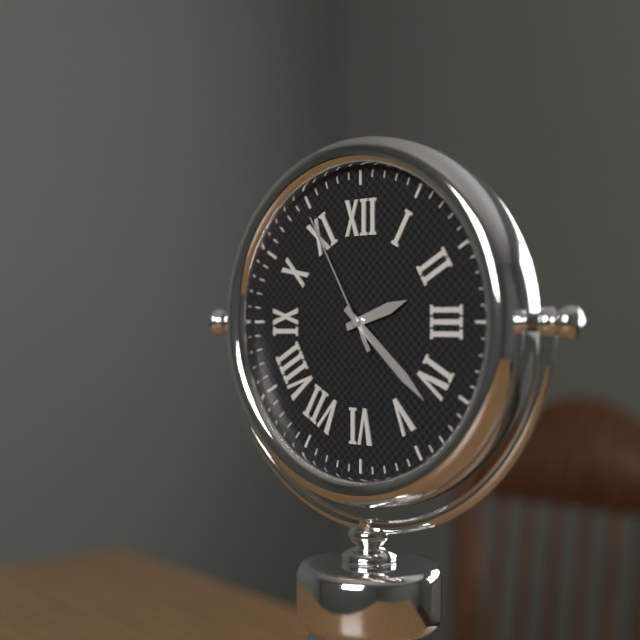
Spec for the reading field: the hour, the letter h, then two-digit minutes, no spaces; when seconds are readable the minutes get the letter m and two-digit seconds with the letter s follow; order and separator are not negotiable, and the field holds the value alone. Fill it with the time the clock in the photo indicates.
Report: 2h22m55s
